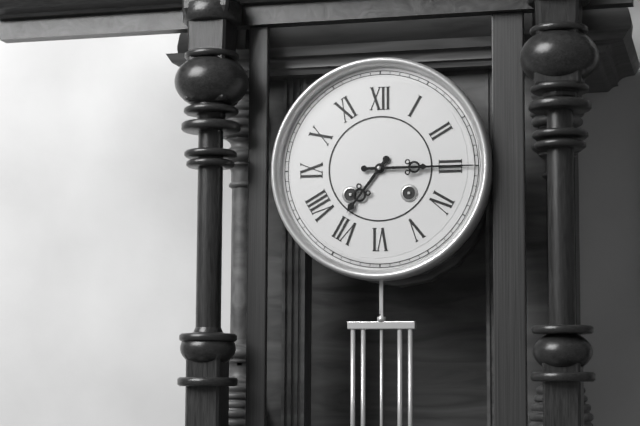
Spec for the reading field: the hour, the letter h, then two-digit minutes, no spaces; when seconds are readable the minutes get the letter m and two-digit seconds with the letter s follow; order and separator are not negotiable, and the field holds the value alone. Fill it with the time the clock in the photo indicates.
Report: 7h15
